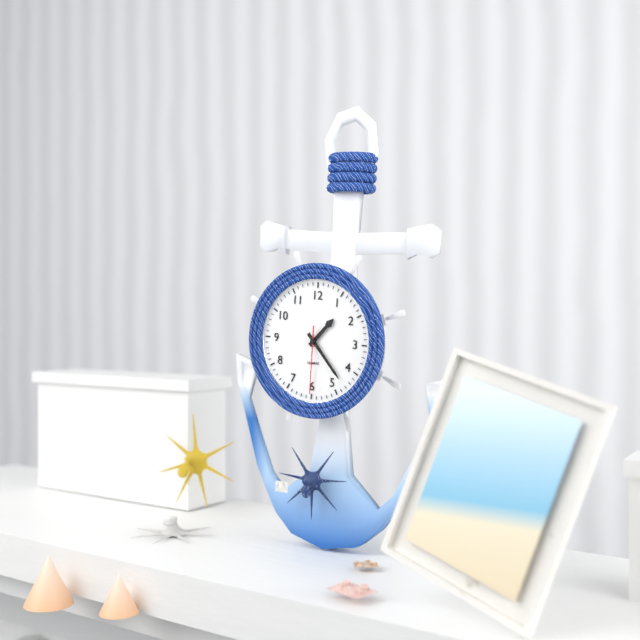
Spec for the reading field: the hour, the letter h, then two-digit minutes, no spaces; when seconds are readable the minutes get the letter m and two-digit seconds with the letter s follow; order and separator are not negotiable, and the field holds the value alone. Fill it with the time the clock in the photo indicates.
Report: 1h23m30s
